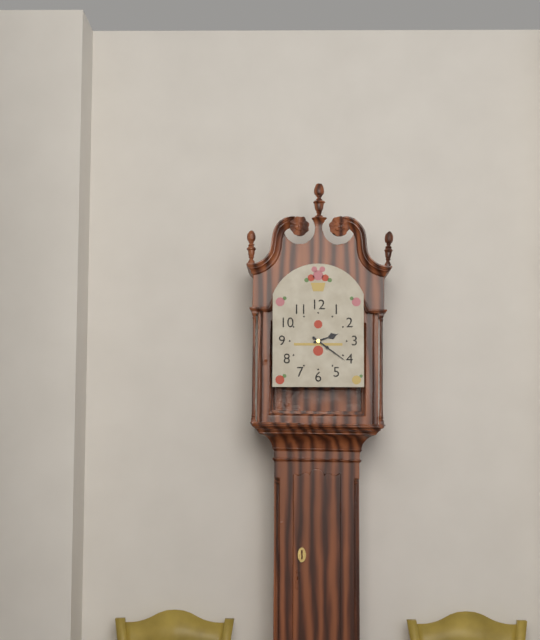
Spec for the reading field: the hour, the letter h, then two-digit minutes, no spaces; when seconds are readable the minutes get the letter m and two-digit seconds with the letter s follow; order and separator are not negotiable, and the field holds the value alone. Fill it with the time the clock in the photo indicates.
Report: 2h21
